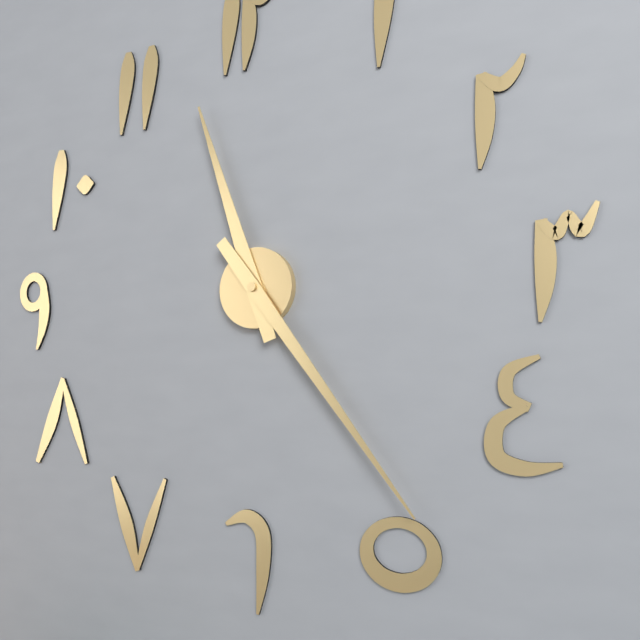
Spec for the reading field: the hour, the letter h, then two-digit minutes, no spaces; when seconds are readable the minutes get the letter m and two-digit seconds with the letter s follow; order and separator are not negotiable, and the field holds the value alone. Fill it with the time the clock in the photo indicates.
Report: 11h24
